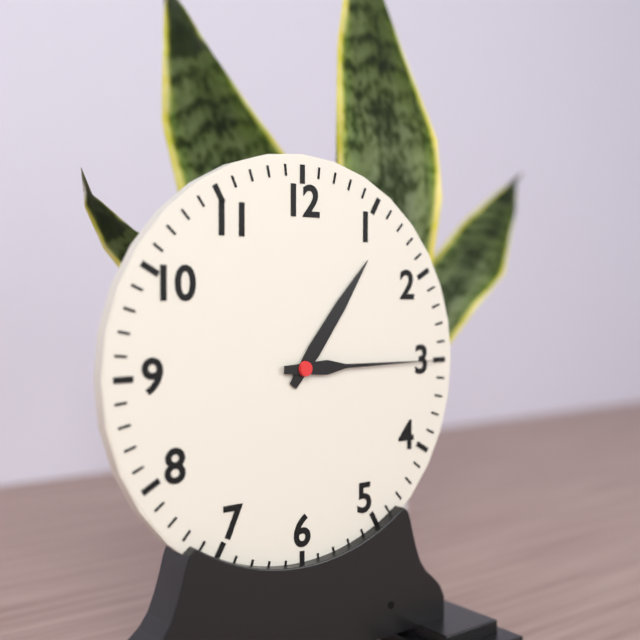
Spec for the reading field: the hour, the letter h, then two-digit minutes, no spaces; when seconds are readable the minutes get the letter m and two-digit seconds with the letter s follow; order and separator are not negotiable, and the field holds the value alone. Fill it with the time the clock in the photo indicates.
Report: 1h15
